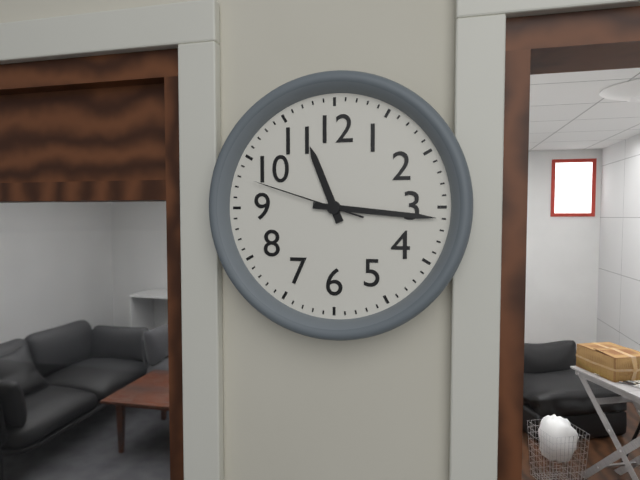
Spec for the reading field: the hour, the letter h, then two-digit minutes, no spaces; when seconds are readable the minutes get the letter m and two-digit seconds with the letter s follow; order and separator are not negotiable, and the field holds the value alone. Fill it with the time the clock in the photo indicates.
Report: 11h16m48s
